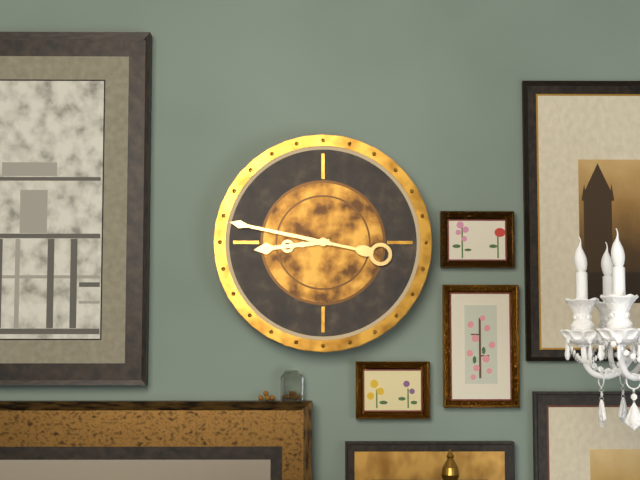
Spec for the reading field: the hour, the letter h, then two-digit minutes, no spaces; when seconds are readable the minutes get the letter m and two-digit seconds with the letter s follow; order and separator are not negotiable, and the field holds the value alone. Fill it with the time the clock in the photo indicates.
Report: 8h47
